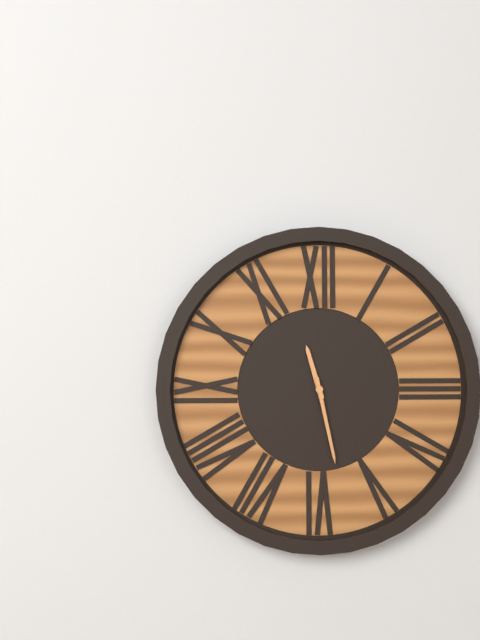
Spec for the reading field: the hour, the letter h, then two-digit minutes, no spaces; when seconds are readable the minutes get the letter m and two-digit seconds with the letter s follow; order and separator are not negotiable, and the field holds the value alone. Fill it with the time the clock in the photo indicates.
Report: 11h28
